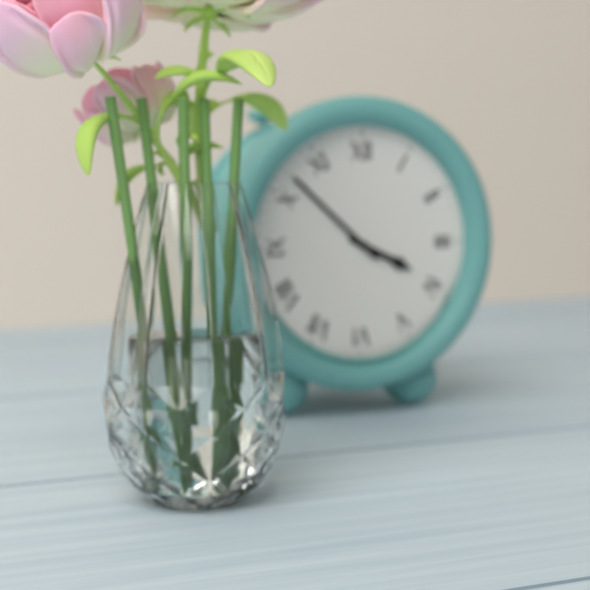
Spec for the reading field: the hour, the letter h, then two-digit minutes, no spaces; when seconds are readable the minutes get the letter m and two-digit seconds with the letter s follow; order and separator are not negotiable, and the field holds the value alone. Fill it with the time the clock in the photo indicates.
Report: 3h52
